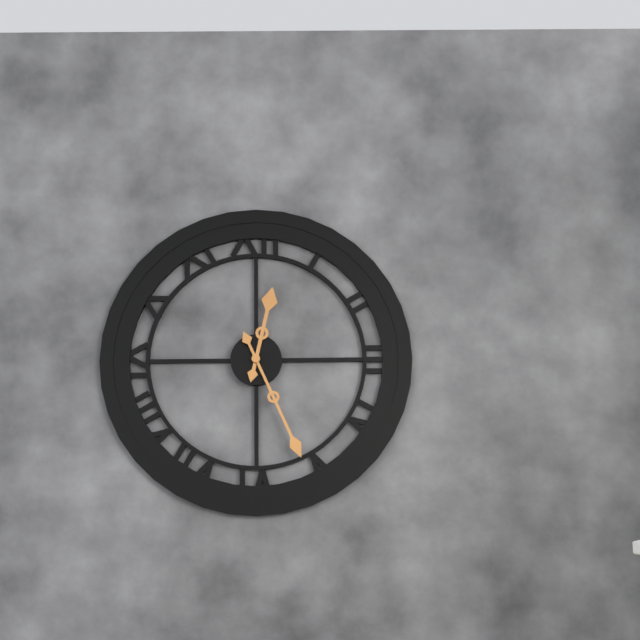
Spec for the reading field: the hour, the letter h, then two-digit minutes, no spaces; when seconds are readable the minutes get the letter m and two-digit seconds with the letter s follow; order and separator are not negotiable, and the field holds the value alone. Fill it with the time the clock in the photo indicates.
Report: 12h26
